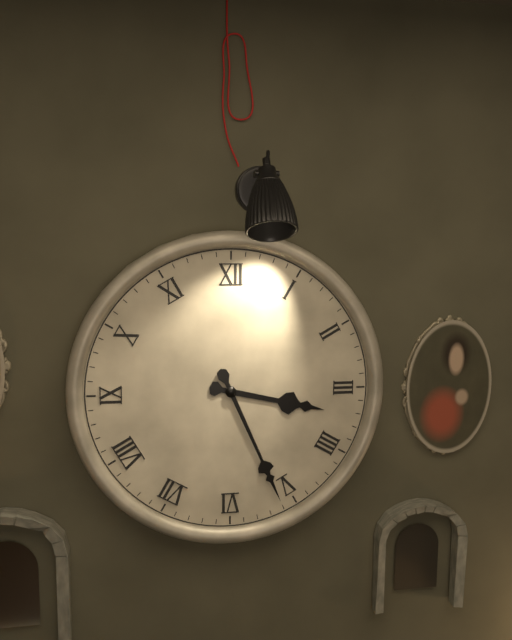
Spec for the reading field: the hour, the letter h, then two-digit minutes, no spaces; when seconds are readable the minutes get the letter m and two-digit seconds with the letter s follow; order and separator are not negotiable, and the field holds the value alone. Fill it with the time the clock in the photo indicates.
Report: 3h26
